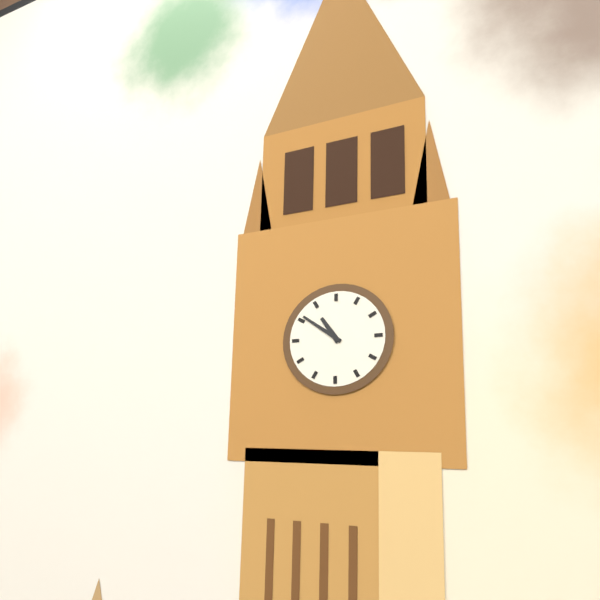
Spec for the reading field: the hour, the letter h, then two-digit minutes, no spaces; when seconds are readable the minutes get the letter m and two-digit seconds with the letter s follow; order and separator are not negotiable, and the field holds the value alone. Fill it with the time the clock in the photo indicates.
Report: 10h51
